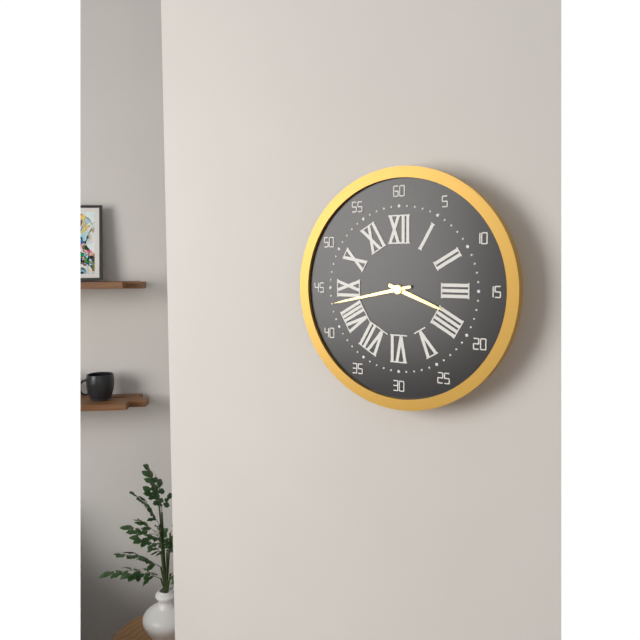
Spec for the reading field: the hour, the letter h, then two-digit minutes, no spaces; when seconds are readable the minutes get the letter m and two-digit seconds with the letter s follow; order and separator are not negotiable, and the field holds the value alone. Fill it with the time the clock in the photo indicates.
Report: 3h43
